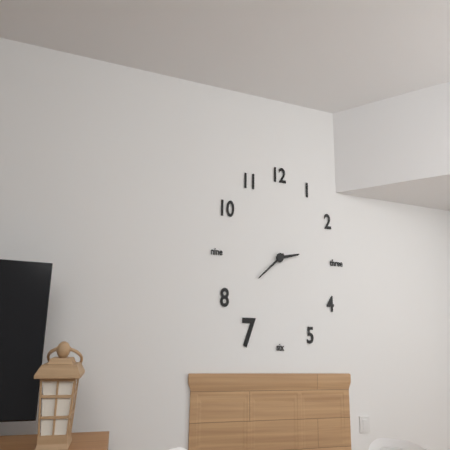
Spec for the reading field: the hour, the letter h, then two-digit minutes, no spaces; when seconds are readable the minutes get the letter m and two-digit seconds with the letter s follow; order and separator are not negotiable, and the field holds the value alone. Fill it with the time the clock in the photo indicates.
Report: 2h39
